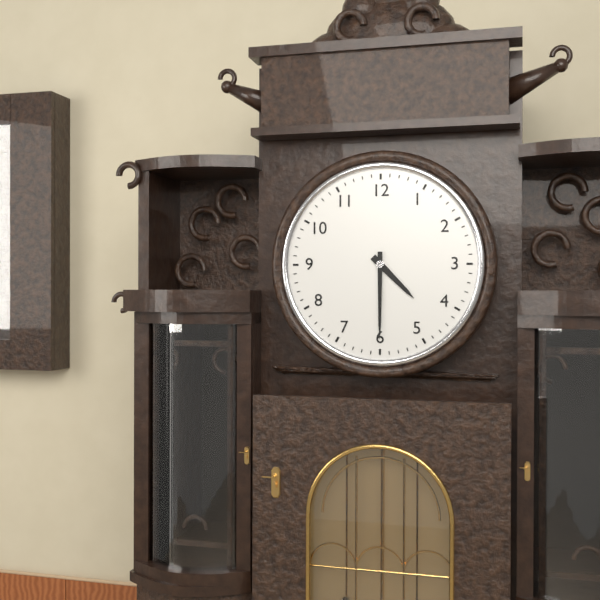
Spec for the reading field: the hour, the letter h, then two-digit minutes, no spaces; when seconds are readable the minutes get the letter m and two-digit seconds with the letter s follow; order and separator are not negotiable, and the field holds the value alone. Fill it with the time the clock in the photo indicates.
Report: 4h30
